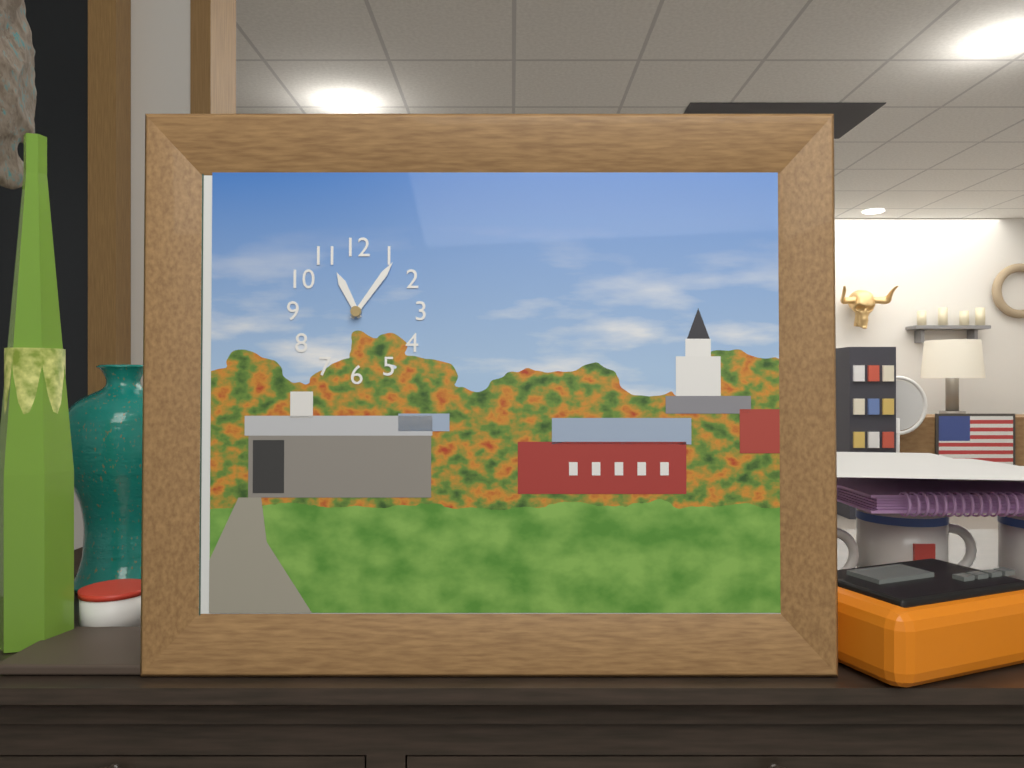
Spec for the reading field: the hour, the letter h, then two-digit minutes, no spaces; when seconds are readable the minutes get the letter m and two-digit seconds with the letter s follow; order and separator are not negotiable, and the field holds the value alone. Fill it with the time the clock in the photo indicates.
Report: 11h06
